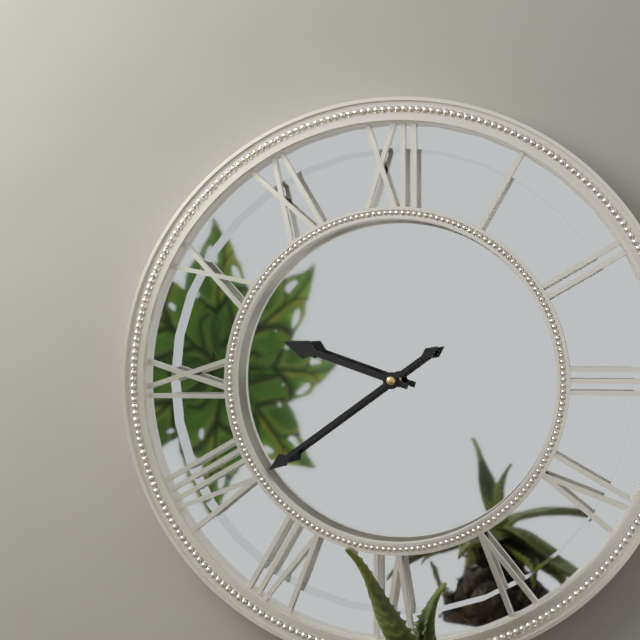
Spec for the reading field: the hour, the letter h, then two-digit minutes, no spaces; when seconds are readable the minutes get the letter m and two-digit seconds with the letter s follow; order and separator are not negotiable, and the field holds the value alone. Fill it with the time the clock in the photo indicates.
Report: 9h39
